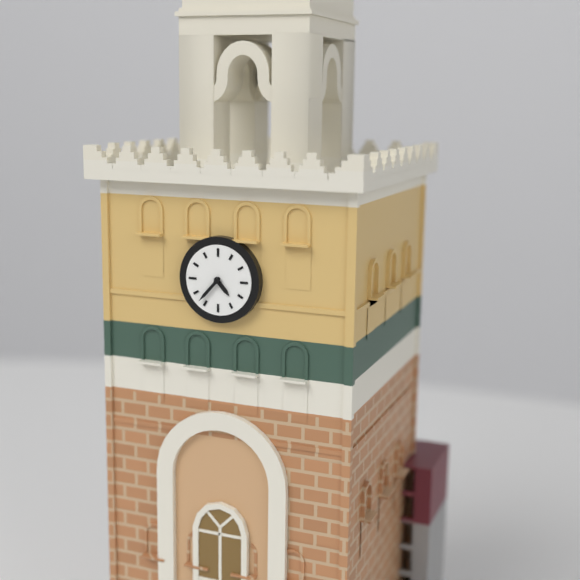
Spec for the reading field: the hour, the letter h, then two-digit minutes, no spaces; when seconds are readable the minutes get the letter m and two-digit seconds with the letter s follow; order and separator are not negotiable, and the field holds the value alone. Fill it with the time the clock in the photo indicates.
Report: 4h37
